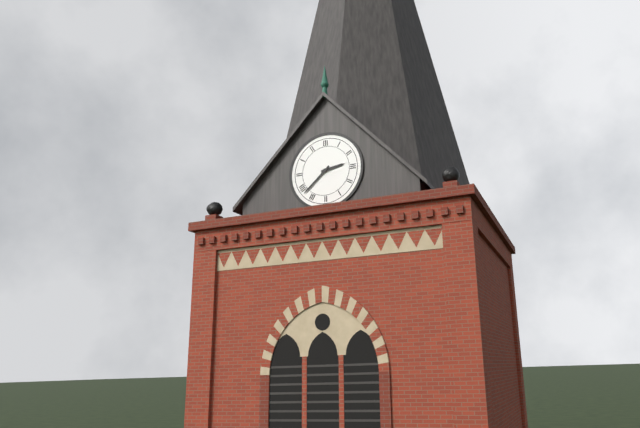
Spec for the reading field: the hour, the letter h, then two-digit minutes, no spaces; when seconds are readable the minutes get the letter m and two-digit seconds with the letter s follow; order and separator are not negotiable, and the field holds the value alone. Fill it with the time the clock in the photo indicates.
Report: 2h38
